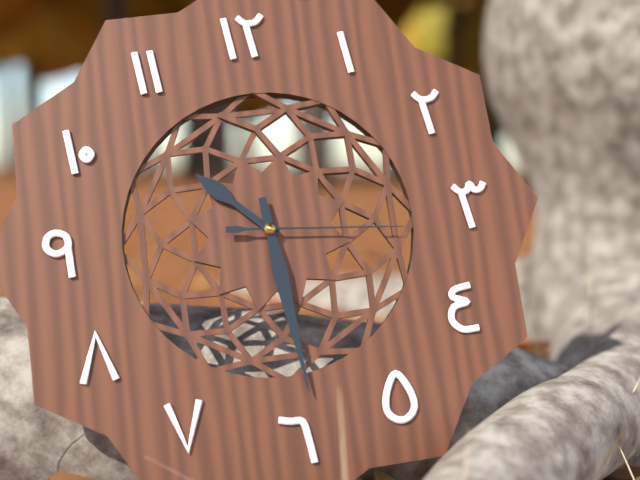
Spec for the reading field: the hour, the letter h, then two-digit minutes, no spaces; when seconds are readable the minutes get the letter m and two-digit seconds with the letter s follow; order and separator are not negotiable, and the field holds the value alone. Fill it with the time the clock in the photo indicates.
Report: 10h29m16s
